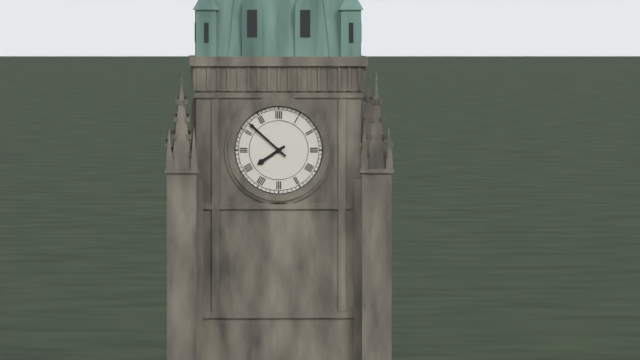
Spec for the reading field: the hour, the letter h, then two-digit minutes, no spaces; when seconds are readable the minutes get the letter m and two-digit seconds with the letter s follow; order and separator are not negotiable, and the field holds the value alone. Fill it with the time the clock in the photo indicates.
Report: 7h52
